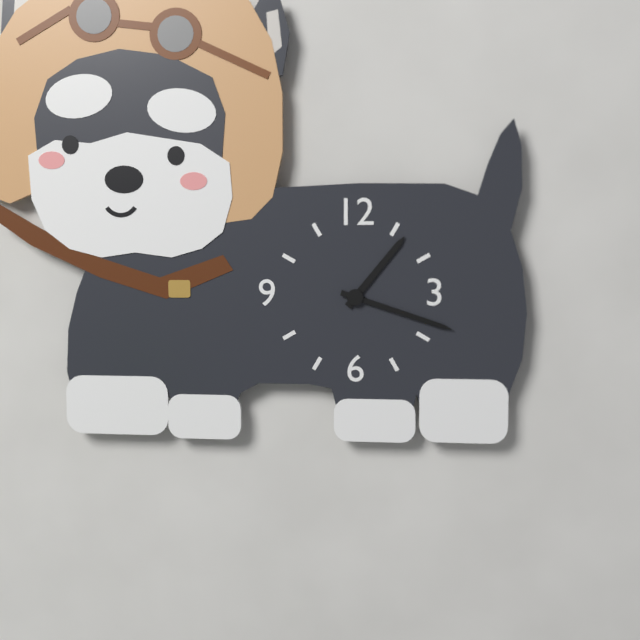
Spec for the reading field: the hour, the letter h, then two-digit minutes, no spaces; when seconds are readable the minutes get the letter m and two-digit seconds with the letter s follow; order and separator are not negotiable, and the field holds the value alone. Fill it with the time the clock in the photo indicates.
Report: 1h18
